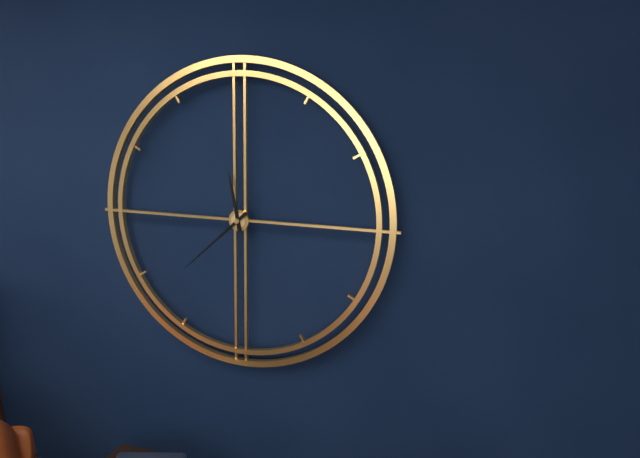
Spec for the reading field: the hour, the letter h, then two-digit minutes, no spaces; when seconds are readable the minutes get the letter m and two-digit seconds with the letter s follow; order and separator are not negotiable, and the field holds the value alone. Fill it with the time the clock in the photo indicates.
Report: 11h38
